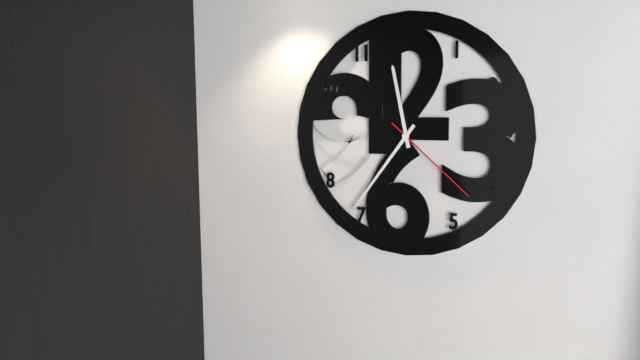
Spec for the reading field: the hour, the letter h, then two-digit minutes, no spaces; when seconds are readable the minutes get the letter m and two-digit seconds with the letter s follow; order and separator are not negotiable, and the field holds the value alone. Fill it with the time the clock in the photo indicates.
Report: 11h36m22s
